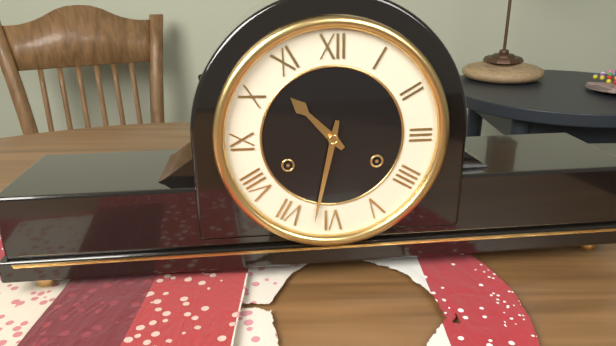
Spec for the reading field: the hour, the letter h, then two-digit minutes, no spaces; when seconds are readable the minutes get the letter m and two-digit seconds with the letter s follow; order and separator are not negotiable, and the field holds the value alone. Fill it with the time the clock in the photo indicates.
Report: 10h32
